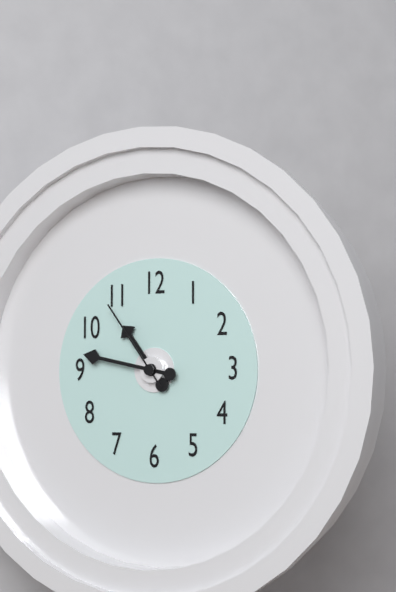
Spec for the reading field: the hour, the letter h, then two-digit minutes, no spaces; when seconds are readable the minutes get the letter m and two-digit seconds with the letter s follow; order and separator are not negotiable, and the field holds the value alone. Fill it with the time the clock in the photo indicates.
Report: 10h47m54s
